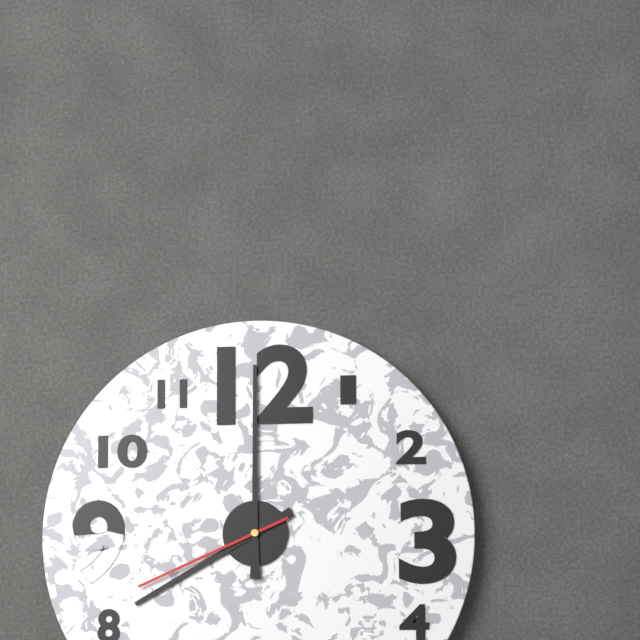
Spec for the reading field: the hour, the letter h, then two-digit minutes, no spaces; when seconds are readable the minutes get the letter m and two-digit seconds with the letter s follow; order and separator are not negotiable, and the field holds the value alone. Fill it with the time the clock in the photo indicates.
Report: 8h00m41s
